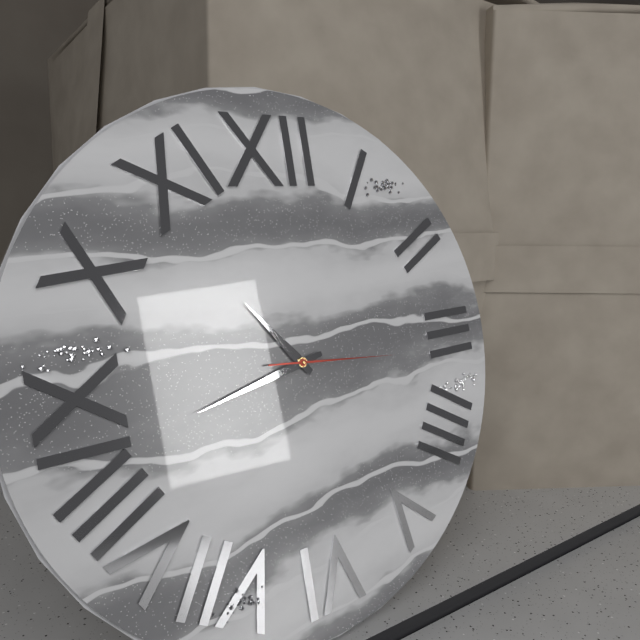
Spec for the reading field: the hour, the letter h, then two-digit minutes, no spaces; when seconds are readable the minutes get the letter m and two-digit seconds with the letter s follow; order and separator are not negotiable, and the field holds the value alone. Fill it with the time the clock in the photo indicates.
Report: 10h43m16s
